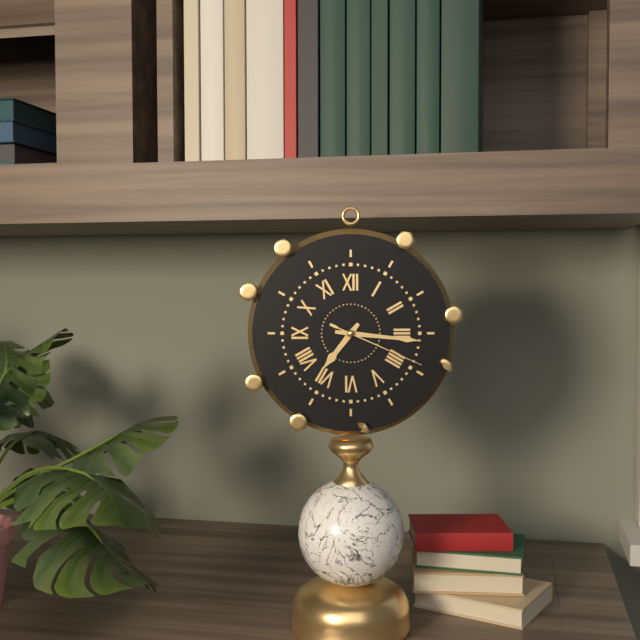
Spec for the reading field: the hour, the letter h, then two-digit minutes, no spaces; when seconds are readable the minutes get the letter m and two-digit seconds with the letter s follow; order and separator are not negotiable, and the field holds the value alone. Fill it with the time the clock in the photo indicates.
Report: 7h16m19s
